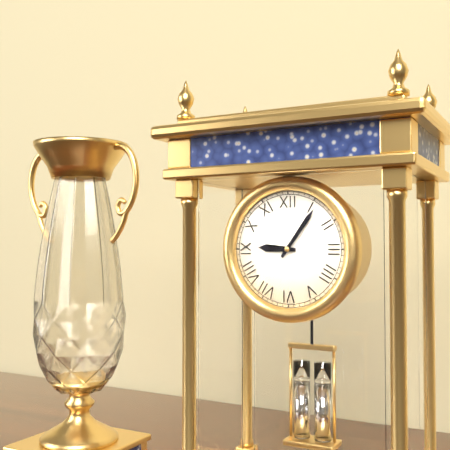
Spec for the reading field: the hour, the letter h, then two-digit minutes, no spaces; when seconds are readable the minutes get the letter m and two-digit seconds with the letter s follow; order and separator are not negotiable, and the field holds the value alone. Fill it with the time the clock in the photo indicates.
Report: 9h06
